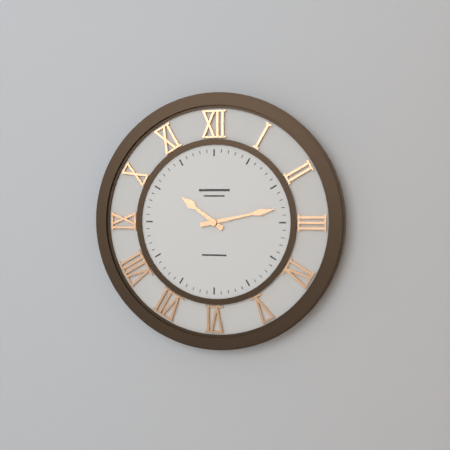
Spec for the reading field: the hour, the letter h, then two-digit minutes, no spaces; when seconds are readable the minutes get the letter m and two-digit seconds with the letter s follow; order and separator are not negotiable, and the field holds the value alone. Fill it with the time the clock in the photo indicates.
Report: 10h13
